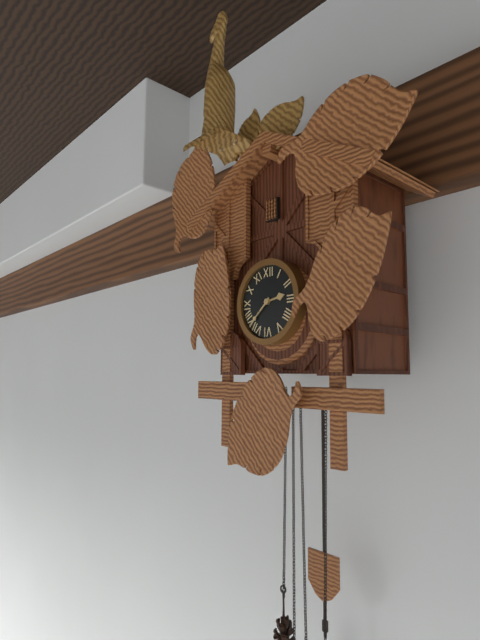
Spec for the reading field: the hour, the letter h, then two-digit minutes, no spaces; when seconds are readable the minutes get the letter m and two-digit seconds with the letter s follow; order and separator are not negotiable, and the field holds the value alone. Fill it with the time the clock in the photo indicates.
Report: 2h38
